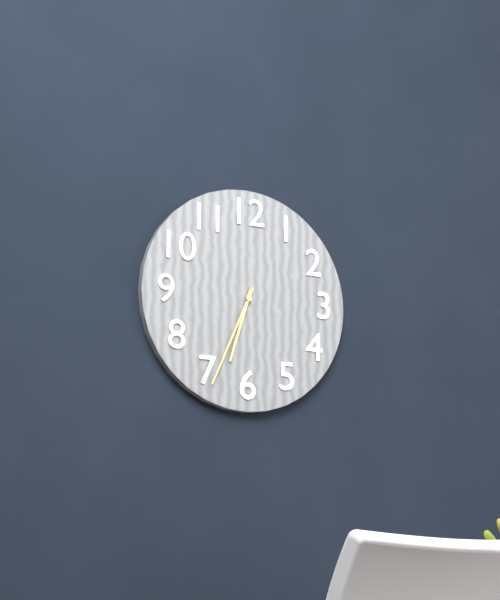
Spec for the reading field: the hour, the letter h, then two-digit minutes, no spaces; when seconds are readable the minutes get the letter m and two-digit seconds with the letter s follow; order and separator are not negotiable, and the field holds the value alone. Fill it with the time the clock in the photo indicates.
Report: 6h34
